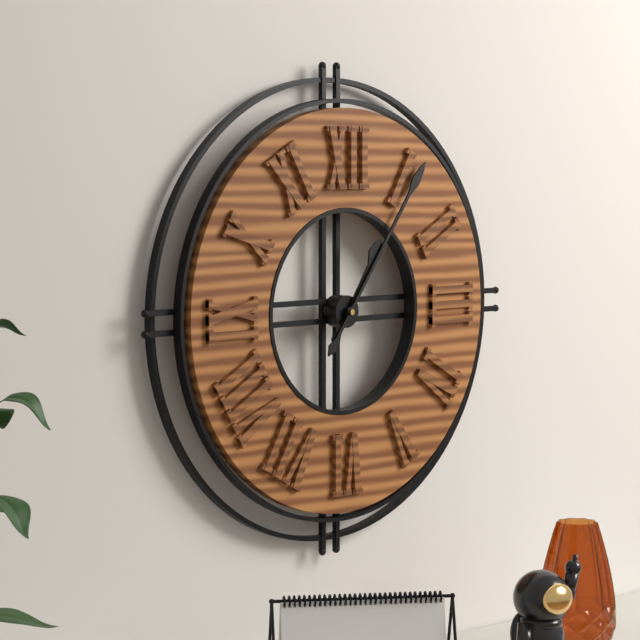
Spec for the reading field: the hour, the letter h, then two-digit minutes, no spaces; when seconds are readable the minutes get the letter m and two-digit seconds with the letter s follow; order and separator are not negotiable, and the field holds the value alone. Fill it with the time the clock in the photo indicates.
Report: 1h06
